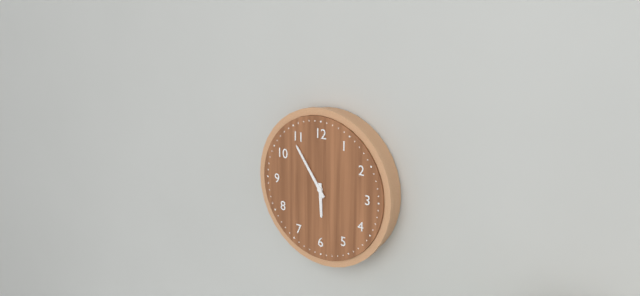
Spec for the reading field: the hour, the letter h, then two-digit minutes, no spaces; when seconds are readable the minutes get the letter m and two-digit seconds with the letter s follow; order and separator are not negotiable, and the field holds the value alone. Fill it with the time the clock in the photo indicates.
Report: 5h54
